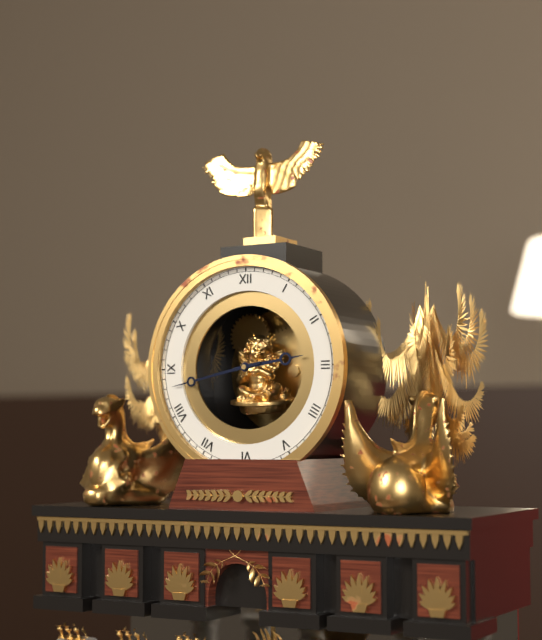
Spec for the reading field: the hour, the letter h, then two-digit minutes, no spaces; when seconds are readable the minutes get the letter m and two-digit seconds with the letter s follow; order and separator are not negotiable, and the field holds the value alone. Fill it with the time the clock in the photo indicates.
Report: 2h43
